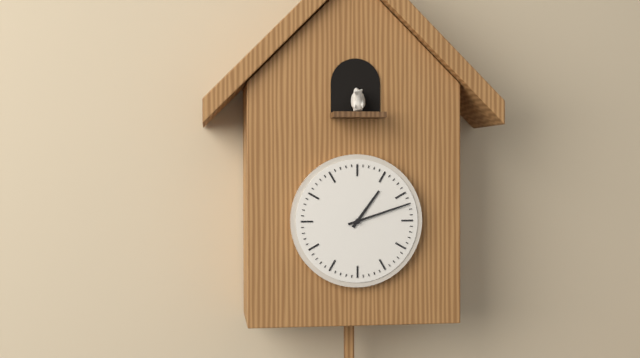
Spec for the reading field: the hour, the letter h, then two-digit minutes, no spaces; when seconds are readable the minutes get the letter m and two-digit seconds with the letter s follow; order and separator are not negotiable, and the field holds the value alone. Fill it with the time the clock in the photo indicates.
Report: 1h12
